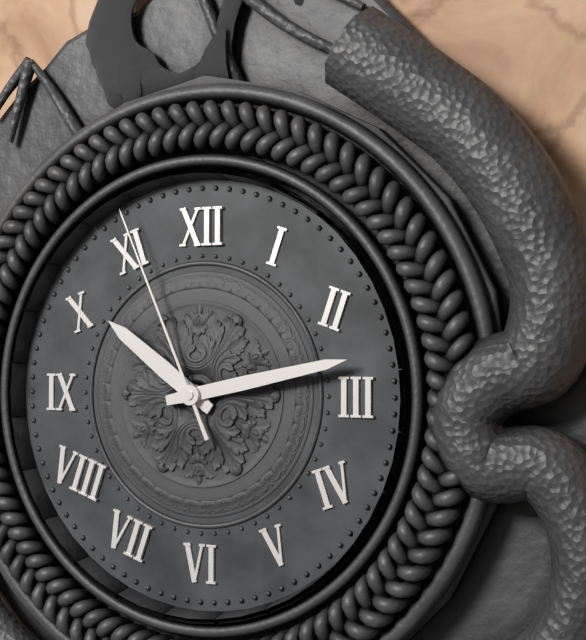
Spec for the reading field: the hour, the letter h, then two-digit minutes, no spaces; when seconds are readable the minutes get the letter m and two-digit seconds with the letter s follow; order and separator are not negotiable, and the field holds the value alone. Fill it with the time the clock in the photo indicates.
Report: 10h13m56s
